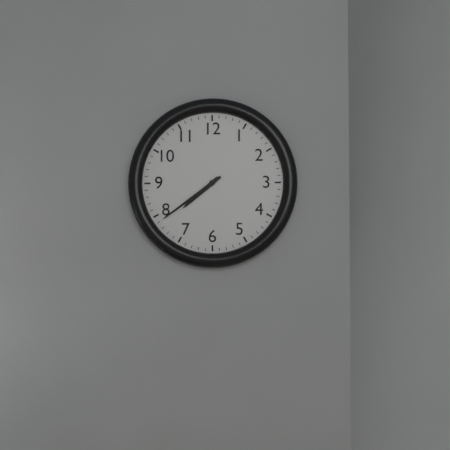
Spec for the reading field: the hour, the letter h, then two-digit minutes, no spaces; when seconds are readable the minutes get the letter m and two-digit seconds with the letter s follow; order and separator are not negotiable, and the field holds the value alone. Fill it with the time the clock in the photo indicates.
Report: 7h39
